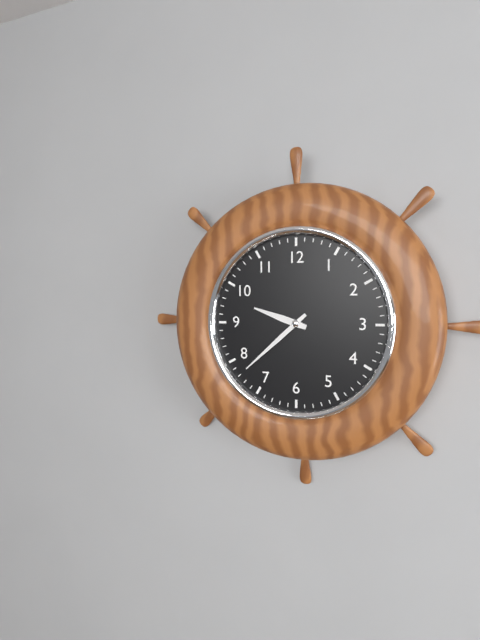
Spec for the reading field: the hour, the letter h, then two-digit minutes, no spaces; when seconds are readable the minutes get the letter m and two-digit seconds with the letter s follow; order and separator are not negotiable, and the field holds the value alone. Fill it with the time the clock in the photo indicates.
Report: 9h38
